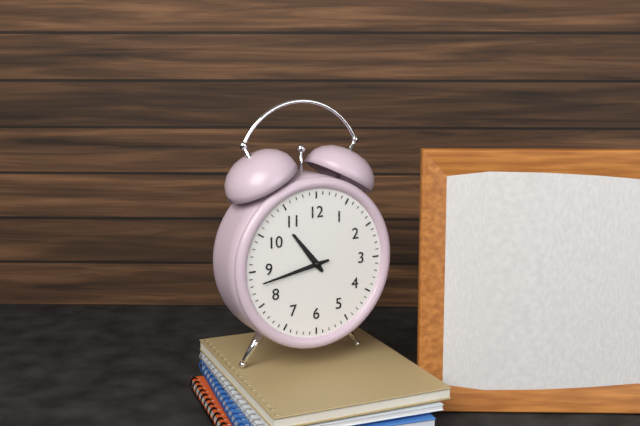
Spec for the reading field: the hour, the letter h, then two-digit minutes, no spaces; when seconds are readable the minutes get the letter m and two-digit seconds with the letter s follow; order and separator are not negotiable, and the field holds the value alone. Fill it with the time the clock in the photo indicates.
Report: 10h43
